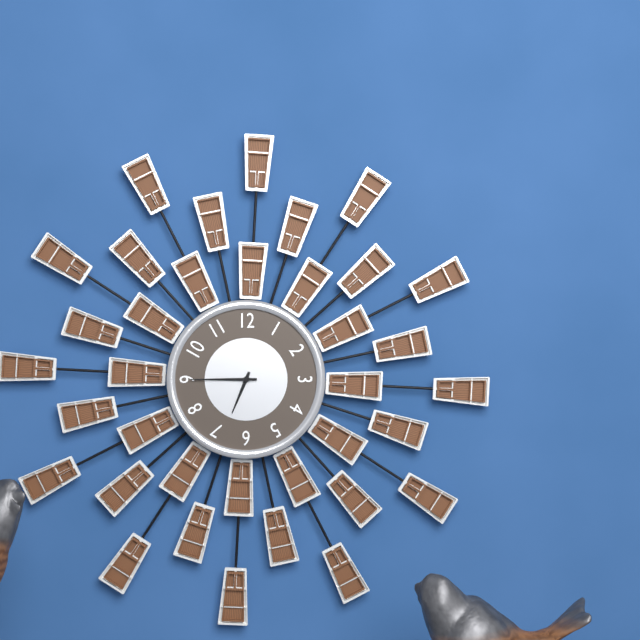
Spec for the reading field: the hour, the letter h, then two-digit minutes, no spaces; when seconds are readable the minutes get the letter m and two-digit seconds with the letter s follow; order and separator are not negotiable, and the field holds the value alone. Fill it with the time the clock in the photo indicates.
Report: 6h45
